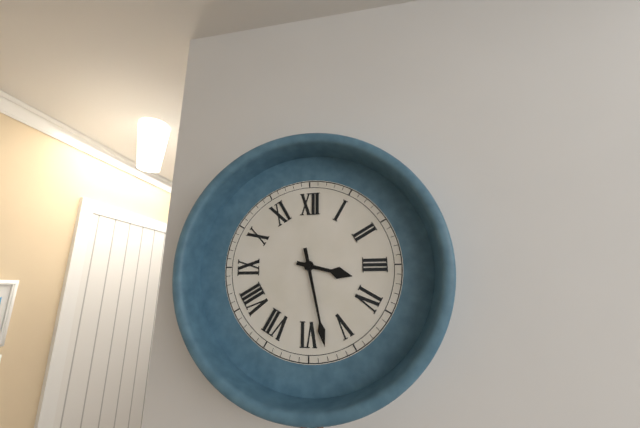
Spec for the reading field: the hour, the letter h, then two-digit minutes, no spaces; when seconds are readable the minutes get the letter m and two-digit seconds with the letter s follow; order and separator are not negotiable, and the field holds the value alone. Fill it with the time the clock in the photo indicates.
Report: 3h28
